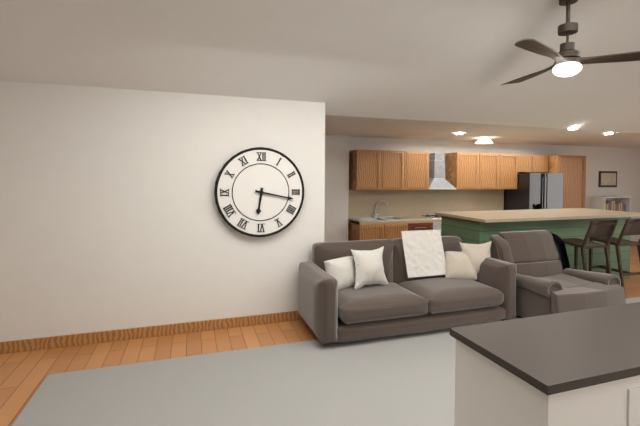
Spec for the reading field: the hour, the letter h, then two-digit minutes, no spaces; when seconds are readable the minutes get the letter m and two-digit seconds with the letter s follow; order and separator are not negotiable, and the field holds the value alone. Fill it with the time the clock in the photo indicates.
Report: 6h17
